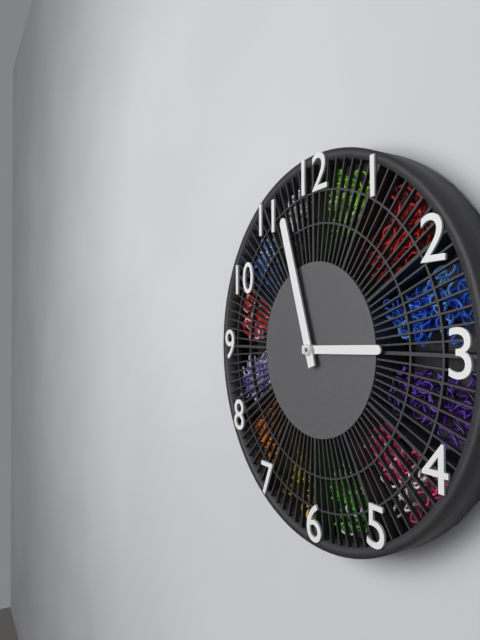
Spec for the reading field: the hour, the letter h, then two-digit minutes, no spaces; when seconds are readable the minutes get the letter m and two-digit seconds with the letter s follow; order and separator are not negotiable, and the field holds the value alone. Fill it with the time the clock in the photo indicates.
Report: 2h57
